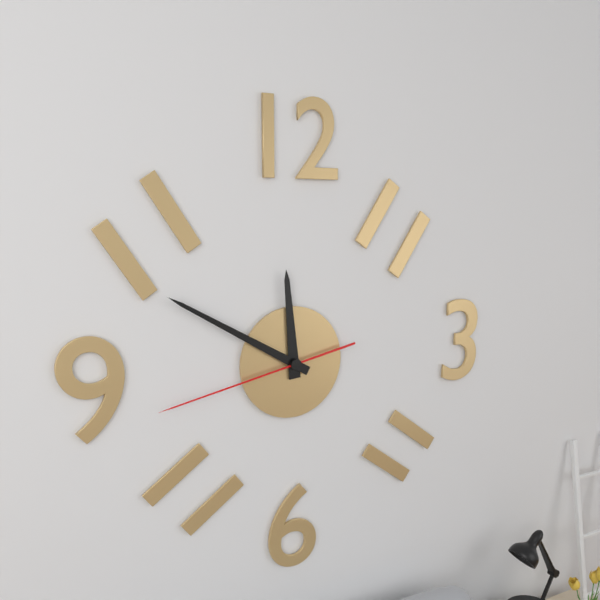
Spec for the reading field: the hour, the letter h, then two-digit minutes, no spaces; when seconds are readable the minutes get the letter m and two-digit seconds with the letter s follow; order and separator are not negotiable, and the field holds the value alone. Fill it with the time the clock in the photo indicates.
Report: 11h50m43s
